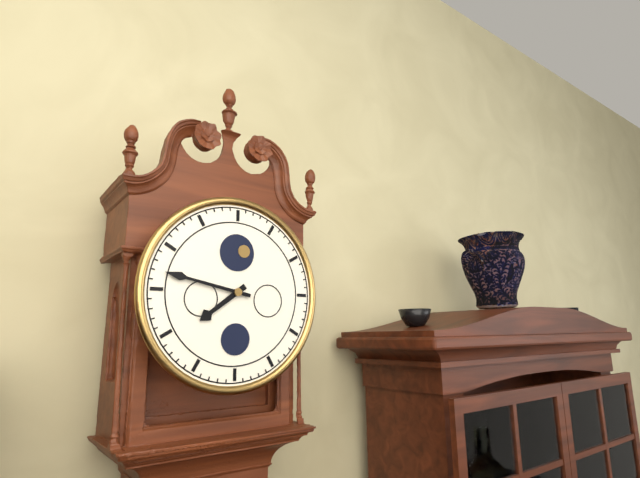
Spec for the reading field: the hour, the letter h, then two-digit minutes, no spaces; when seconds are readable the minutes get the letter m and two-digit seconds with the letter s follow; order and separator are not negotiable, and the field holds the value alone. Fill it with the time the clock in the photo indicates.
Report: 7h47
